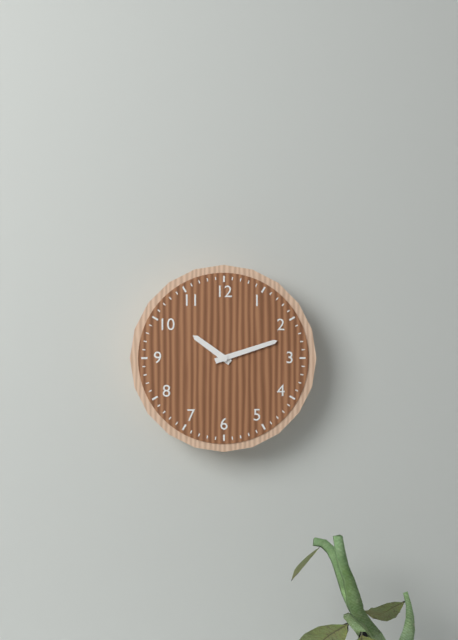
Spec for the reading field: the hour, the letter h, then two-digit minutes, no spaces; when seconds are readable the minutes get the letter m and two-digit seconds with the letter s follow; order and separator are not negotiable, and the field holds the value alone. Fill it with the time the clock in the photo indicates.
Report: 10h12
